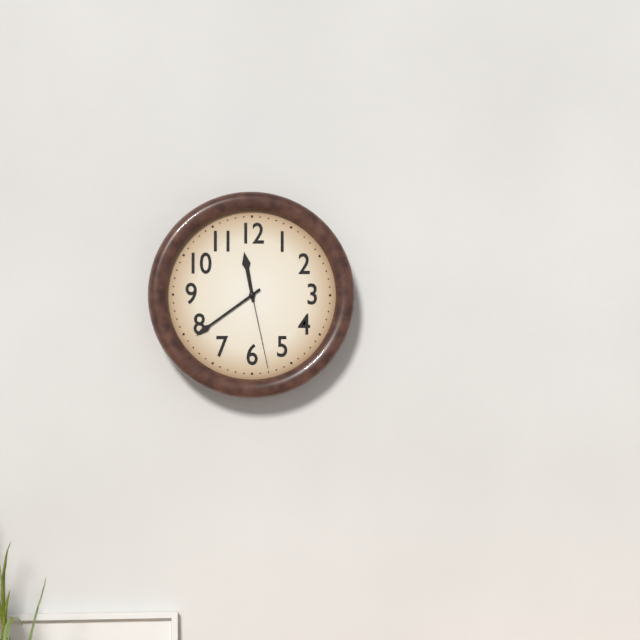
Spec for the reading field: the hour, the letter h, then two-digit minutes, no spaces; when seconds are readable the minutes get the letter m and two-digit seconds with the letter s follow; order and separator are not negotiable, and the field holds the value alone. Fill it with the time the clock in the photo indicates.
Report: 11h39m28s
